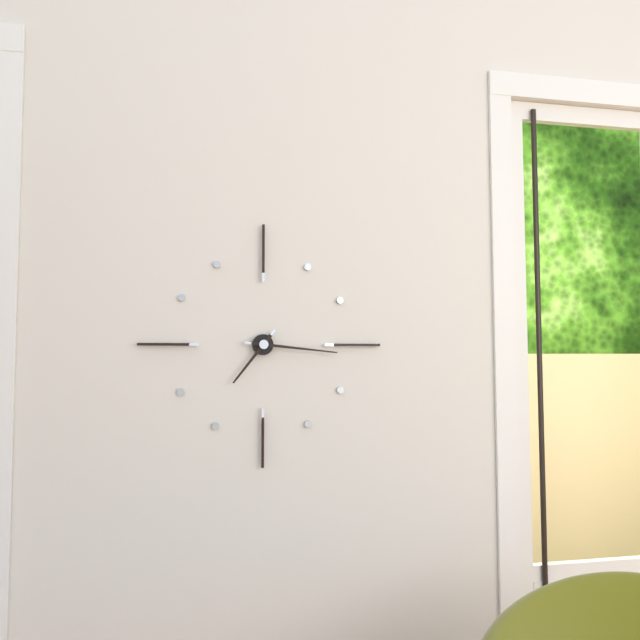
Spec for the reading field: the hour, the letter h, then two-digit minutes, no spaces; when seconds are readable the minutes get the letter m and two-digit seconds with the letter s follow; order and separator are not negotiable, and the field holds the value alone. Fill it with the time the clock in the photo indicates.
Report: 7h16
